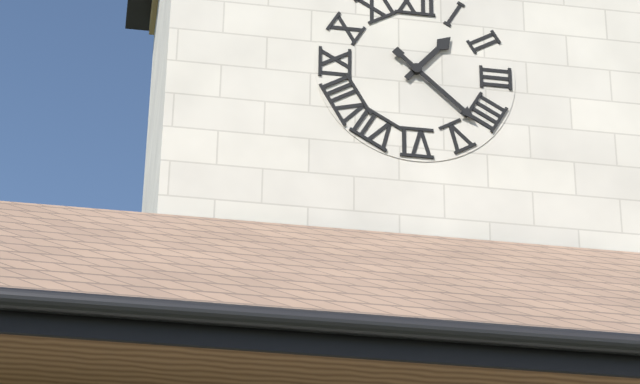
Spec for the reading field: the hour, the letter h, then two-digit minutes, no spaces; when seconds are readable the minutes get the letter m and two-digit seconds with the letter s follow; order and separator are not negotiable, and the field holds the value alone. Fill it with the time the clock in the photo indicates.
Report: 1h22
